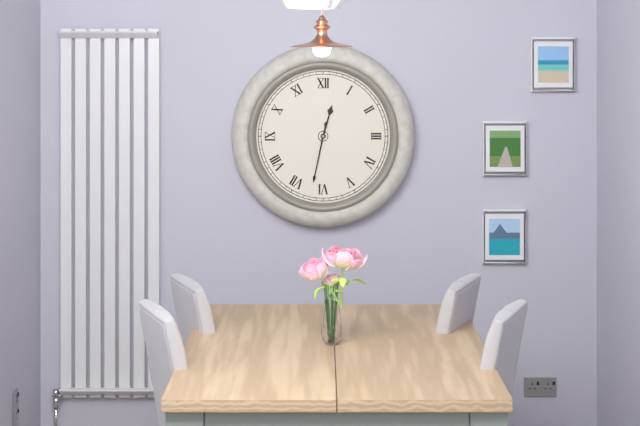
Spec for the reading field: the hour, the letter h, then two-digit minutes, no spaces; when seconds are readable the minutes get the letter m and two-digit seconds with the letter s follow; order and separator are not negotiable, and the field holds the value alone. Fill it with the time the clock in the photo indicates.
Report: 12h32
